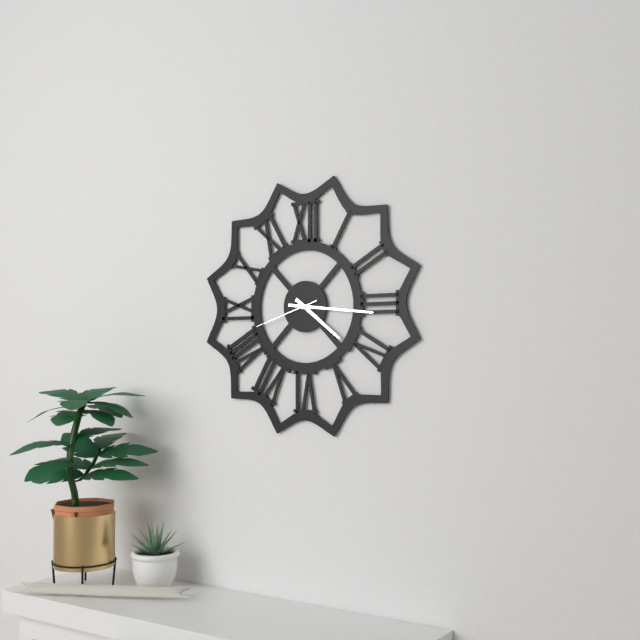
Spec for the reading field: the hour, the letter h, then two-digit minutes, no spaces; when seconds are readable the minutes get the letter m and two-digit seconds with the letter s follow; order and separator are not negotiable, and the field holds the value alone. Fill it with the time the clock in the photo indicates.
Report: 4h16m42s
